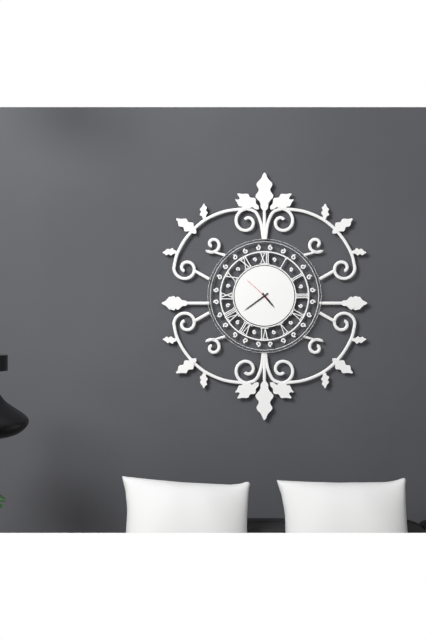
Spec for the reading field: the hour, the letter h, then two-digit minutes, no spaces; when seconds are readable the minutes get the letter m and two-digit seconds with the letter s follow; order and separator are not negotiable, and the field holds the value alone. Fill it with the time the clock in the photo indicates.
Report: 4h39
